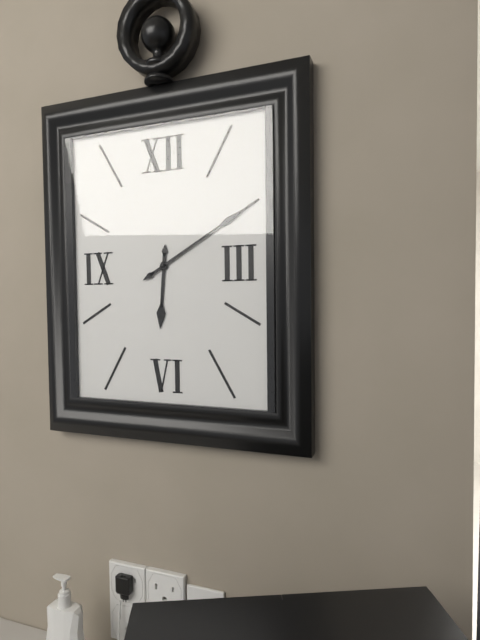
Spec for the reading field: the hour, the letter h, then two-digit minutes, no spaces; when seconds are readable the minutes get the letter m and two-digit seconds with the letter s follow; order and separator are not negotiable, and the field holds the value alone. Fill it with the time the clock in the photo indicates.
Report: 6h10
